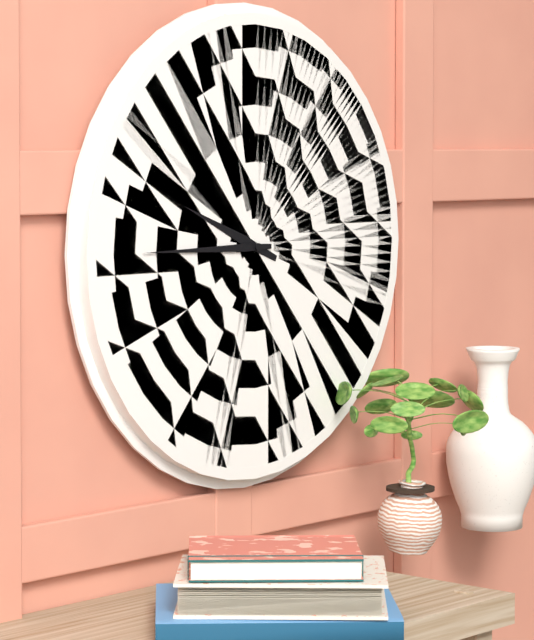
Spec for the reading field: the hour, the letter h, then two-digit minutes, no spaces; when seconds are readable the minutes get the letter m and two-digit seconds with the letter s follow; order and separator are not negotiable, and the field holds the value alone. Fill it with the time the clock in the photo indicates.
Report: 9h45
